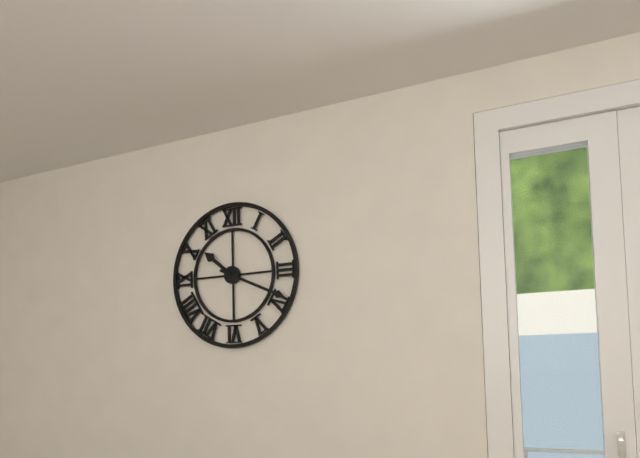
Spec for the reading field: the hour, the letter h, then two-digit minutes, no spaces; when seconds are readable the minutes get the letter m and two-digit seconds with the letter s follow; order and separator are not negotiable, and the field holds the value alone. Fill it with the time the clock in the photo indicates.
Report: 10h19
